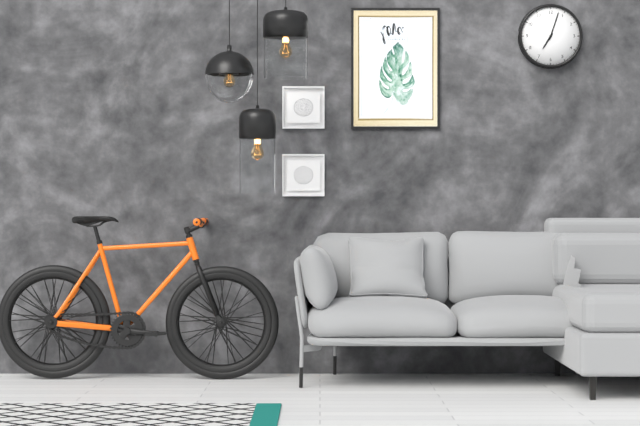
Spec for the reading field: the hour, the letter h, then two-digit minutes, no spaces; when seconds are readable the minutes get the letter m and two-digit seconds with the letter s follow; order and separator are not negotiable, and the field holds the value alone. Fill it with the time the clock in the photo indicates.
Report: 7h03
